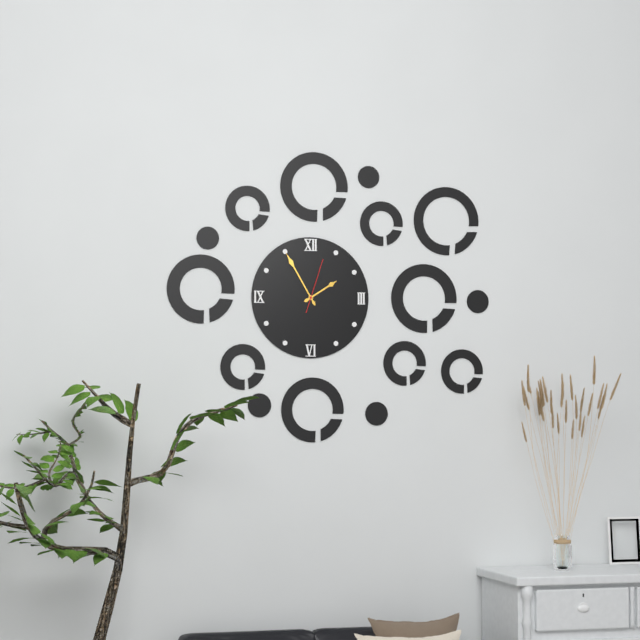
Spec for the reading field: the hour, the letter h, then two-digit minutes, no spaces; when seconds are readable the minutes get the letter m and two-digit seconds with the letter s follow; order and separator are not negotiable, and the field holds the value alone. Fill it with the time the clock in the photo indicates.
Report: 1h55m03s
